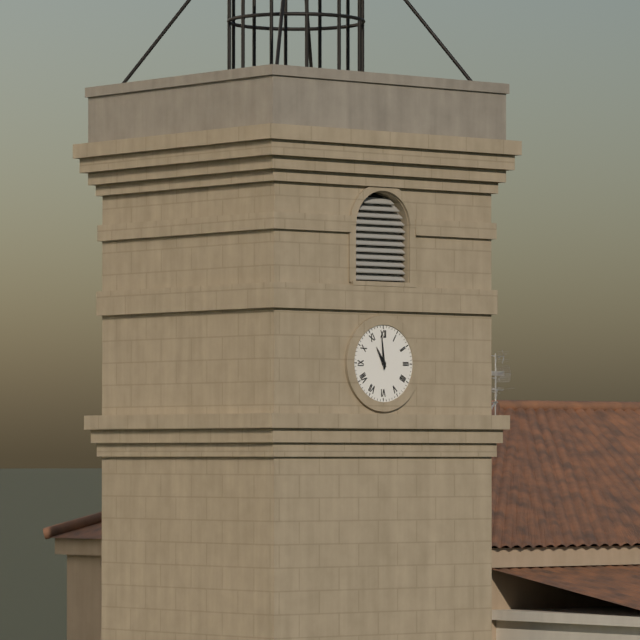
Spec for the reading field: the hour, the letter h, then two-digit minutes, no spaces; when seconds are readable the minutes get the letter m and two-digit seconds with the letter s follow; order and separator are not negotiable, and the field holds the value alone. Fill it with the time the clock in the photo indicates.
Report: 10h59
